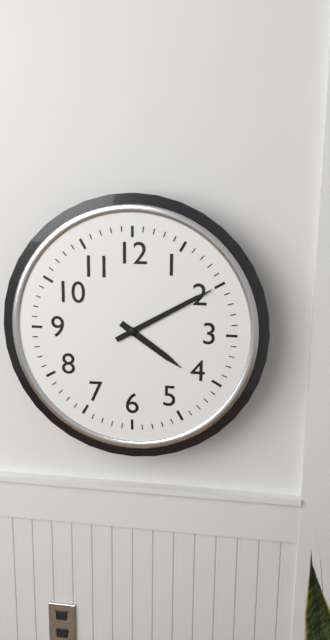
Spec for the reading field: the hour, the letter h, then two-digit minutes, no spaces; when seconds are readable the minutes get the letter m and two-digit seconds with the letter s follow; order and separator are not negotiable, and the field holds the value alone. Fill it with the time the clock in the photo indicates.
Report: 4h10
